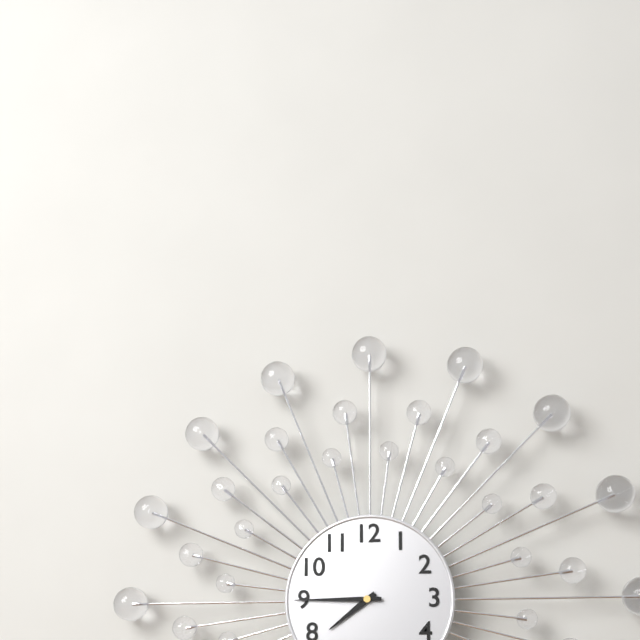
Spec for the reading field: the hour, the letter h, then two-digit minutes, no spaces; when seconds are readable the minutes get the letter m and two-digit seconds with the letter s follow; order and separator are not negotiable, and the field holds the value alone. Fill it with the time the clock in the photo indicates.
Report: 7h45
